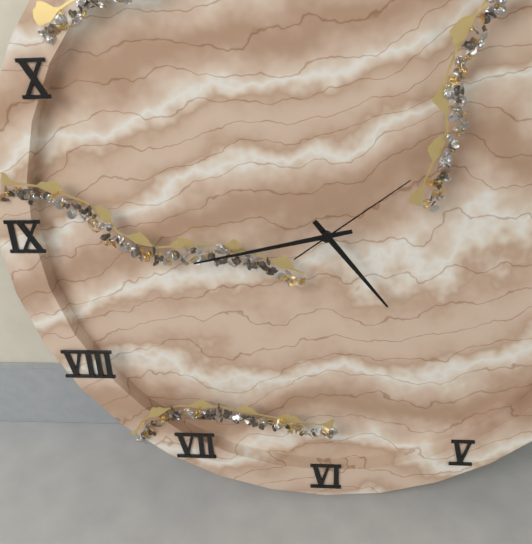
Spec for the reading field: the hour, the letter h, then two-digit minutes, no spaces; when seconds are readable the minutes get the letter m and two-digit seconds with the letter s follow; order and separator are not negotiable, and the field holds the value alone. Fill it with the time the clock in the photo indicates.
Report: 4h43m09s
